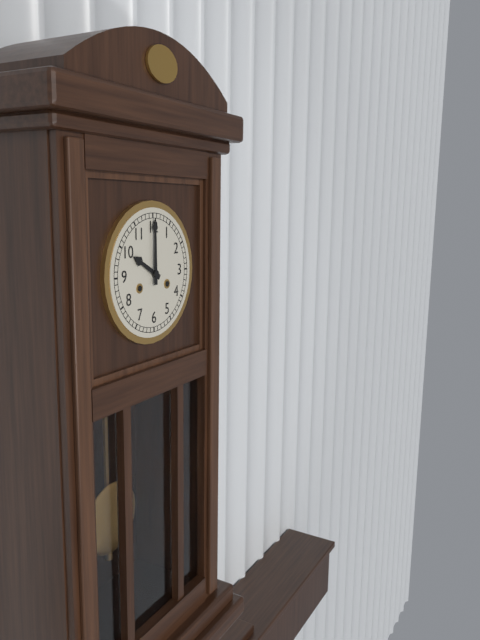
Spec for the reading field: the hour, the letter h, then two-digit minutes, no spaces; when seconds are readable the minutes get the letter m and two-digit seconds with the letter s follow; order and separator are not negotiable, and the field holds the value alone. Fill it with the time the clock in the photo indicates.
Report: 10h00
